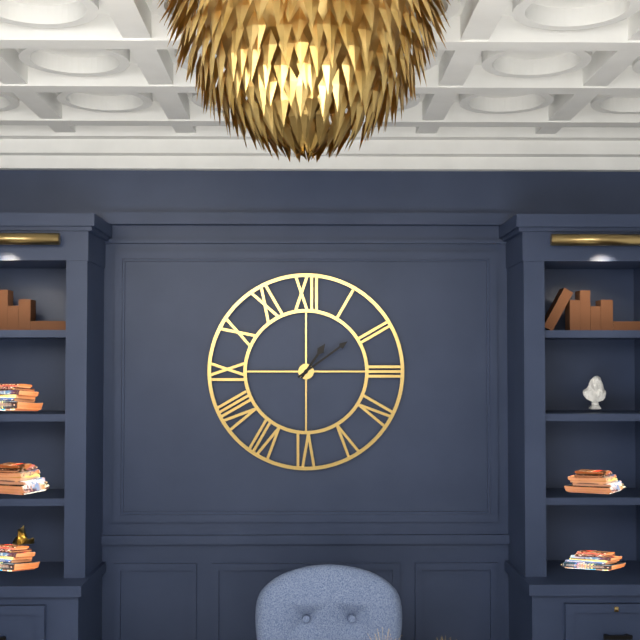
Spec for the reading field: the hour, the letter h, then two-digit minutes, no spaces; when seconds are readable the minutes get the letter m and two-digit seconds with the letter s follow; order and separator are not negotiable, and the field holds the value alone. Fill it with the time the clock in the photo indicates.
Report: 1h09
